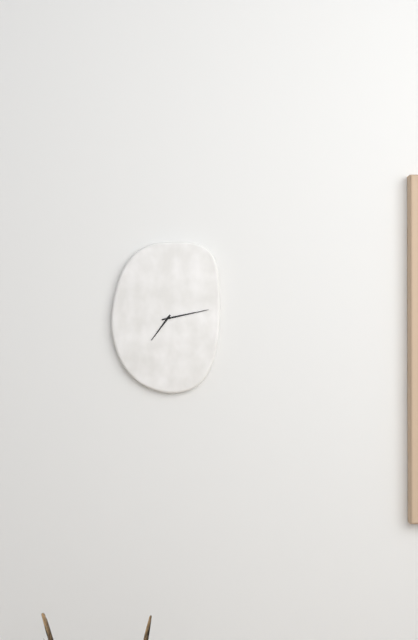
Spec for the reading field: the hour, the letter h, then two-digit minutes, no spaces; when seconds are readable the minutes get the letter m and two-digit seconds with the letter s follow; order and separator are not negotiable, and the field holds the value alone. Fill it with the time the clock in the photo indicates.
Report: 7h13
